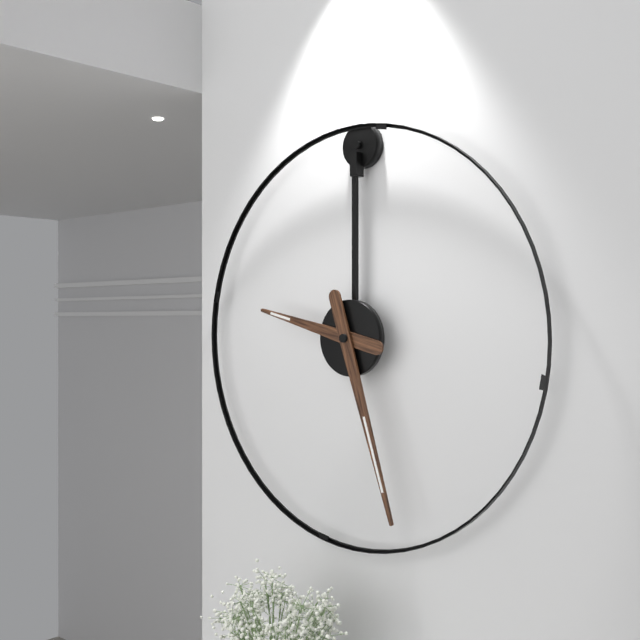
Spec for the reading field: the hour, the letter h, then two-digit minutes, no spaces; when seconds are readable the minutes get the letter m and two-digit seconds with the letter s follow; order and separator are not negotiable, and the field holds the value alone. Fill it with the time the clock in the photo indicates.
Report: 9h27
